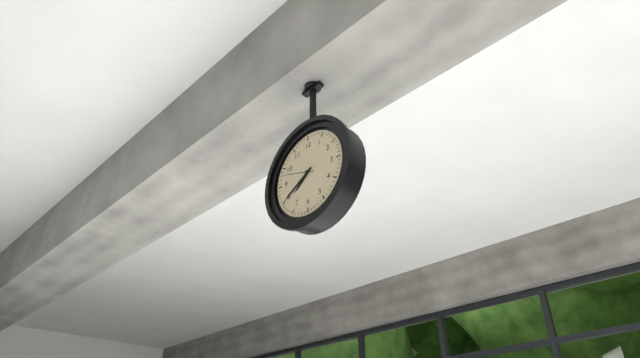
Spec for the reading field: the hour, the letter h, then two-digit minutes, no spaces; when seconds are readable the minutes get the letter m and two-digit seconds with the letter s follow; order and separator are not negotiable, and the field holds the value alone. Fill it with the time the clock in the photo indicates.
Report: 7h40
